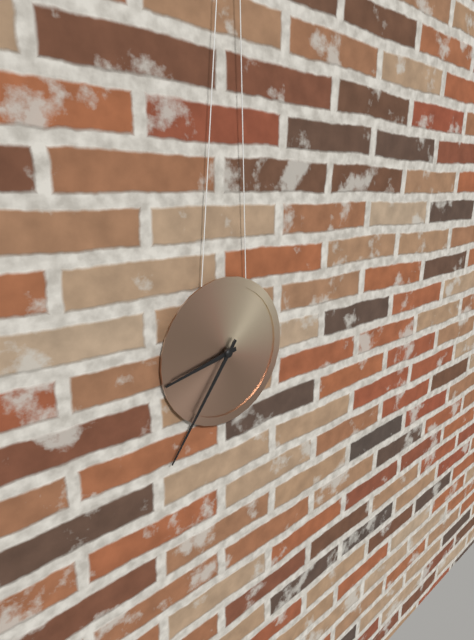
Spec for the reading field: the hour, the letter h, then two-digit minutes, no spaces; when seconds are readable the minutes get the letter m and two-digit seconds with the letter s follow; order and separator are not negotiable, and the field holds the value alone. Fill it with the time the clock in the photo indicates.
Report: 8h36
